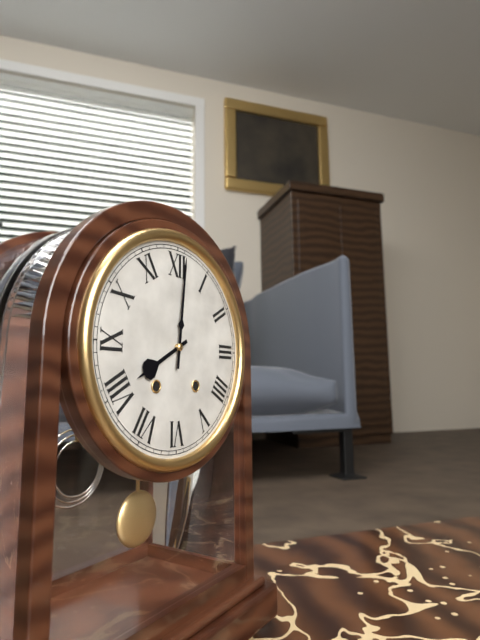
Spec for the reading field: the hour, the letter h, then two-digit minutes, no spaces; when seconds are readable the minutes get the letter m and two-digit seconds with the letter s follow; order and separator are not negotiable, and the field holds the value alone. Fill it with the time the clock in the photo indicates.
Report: 8h01
